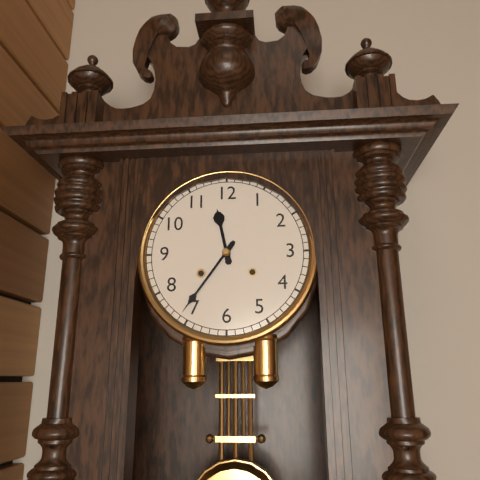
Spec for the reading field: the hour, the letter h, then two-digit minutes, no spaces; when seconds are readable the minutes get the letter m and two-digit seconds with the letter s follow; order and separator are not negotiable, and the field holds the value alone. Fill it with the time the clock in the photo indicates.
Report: 11h36
